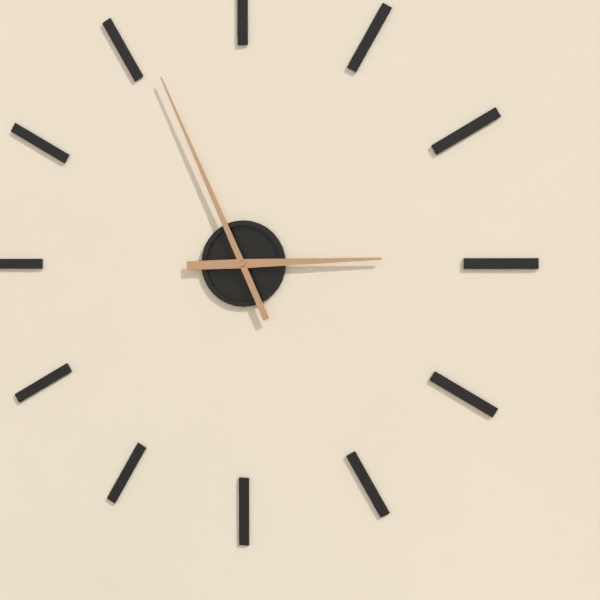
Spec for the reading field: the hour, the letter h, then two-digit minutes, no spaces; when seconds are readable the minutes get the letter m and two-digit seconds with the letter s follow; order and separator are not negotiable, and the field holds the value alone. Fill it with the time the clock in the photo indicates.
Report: 2h56
